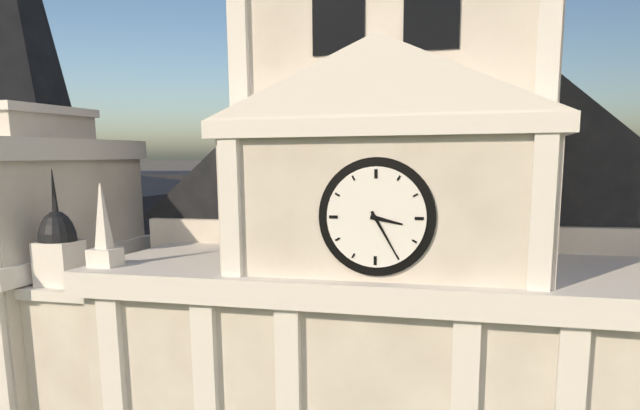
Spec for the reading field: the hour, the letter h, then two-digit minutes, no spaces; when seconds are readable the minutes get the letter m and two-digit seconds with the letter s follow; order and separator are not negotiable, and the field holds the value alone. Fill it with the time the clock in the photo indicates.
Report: 3h25
